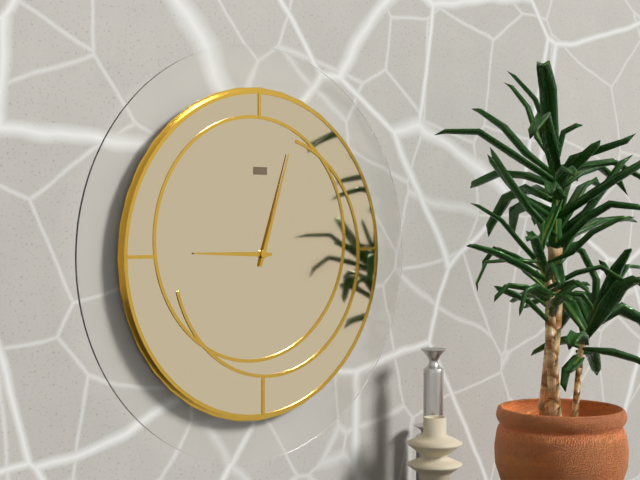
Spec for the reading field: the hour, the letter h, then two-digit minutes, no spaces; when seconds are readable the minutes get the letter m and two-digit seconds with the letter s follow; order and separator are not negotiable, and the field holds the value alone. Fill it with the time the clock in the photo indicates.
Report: 9h03
